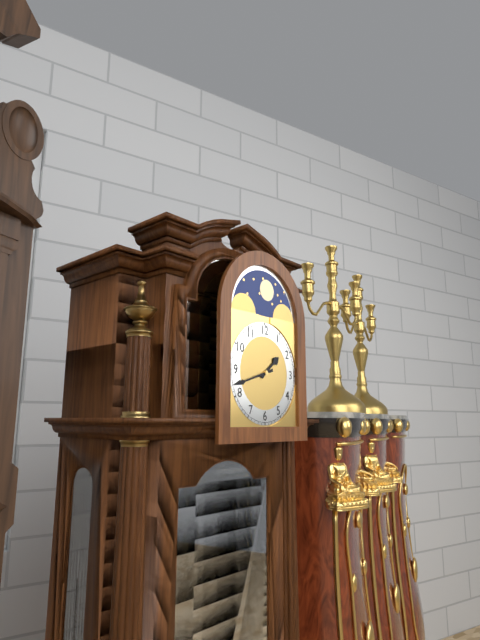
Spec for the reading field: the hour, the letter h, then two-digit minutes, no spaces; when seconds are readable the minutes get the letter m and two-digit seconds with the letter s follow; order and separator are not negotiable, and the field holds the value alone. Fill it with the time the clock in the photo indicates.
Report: 1h42
